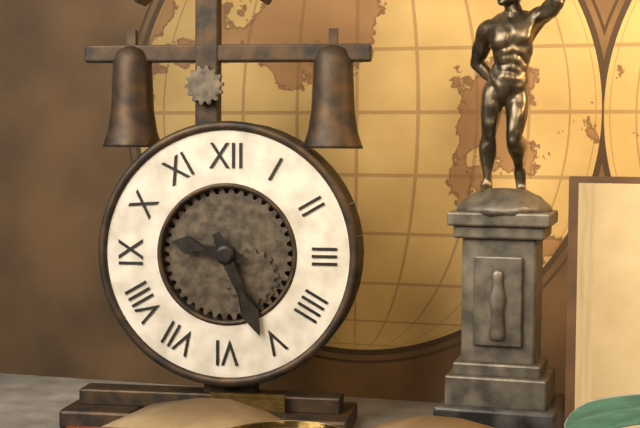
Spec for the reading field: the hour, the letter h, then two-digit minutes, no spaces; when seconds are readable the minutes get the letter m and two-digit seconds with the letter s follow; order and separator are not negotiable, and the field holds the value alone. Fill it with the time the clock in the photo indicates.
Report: 9h26
